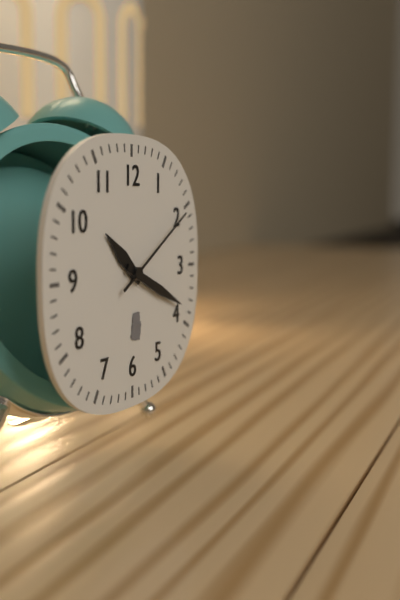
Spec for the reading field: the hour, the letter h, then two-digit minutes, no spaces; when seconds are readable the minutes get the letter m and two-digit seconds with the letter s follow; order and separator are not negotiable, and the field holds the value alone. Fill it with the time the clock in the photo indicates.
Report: 10h19m10s
